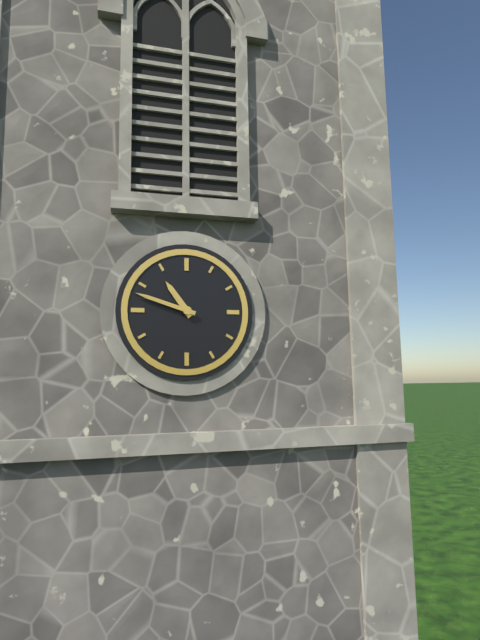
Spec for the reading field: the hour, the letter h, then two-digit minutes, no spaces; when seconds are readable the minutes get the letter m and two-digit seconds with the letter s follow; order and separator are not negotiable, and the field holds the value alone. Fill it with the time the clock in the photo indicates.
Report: 10h48
